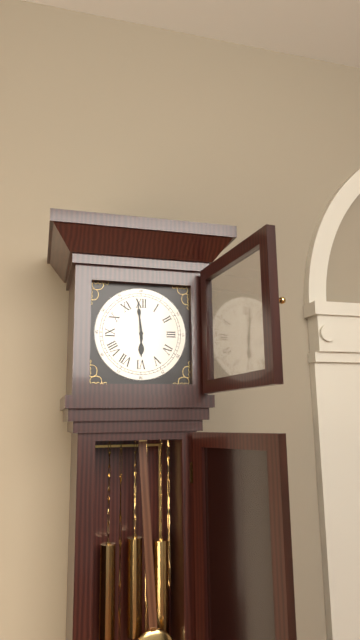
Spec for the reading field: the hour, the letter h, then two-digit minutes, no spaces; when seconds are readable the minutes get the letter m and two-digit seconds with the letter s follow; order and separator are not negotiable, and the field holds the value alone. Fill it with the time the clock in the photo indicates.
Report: 5h59
